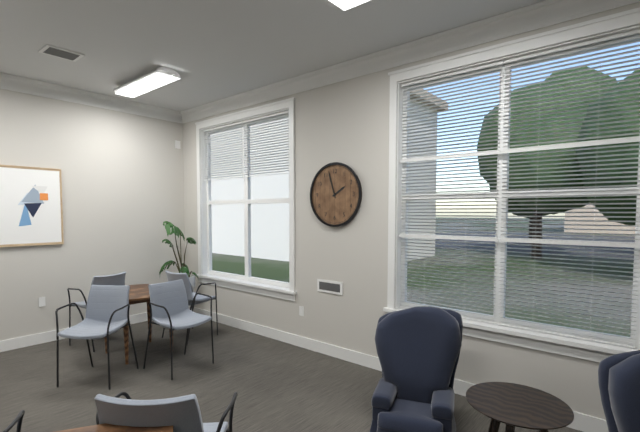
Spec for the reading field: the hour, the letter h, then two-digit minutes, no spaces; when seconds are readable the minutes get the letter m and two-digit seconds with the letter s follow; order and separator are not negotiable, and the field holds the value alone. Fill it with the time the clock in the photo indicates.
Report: 1h57
